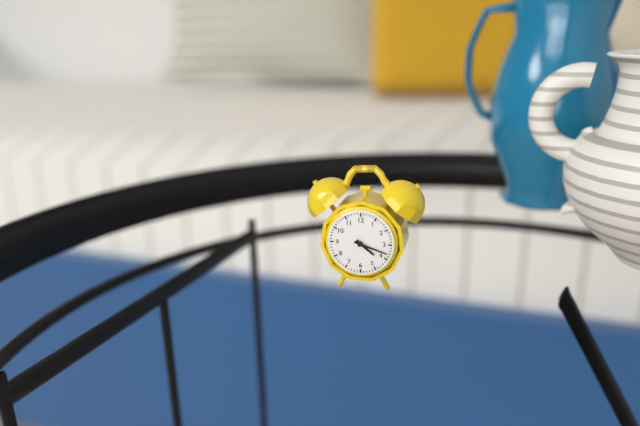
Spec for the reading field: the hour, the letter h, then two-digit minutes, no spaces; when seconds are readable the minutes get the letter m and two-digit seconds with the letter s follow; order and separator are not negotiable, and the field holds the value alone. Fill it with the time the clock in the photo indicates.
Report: 4h18
